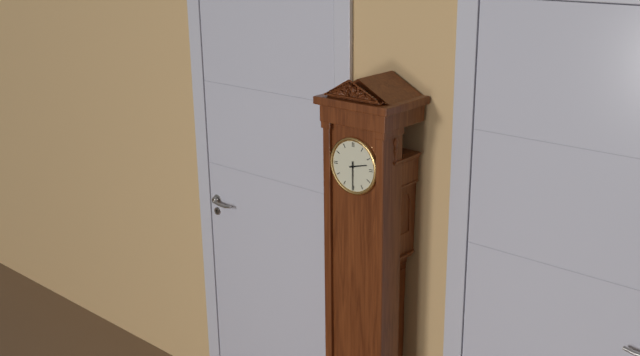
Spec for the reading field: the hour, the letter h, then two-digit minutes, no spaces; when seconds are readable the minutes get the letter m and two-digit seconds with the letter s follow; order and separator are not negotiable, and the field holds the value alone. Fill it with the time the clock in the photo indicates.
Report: 2h30
